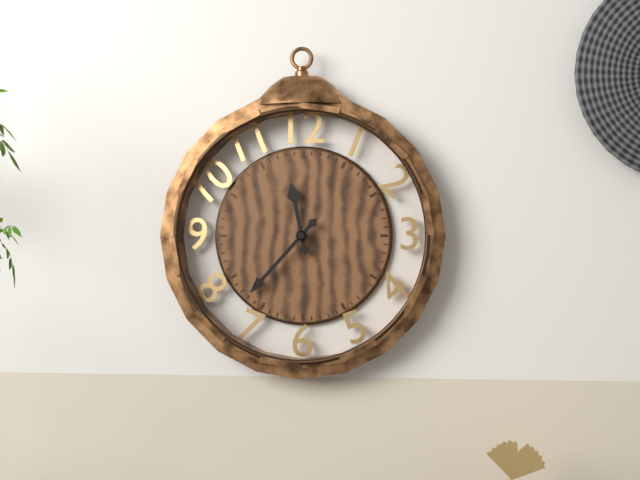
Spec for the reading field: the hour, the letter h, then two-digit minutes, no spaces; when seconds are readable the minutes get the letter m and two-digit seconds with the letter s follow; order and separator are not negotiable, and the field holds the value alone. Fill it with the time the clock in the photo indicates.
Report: 11h37
